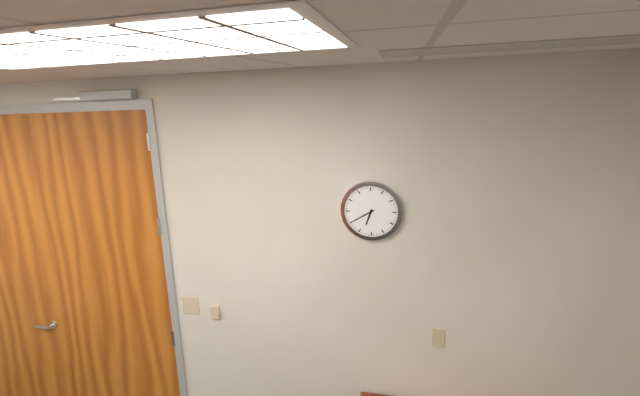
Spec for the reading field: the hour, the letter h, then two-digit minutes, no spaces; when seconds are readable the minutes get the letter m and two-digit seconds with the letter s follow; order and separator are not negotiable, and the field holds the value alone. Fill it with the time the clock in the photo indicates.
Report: 6h40
